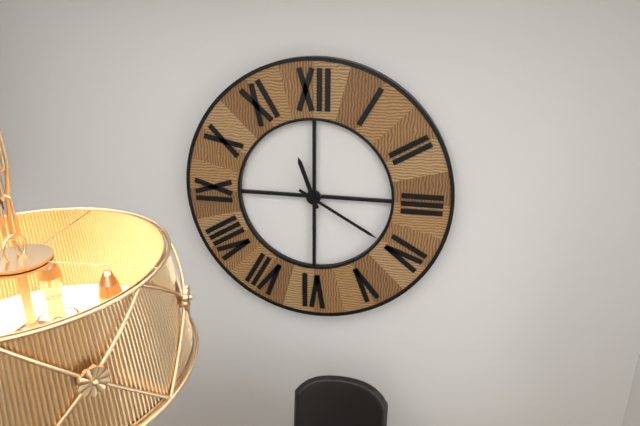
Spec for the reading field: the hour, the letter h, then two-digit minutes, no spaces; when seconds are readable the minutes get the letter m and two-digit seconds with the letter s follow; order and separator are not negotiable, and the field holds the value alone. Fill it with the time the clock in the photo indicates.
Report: 11h20
